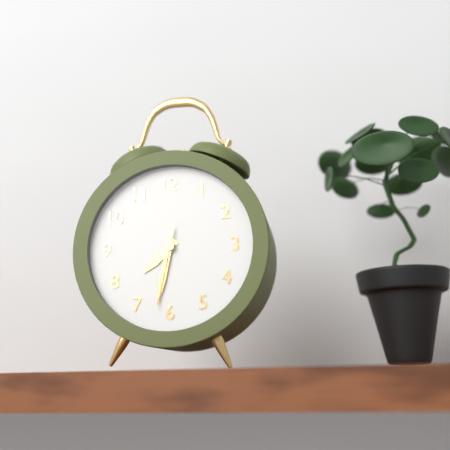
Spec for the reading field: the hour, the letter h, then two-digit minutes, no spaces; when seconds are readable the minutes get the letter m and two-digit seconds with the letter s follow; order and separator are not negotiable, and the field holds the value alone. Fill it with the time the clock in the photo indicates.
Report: 7h32m32s
